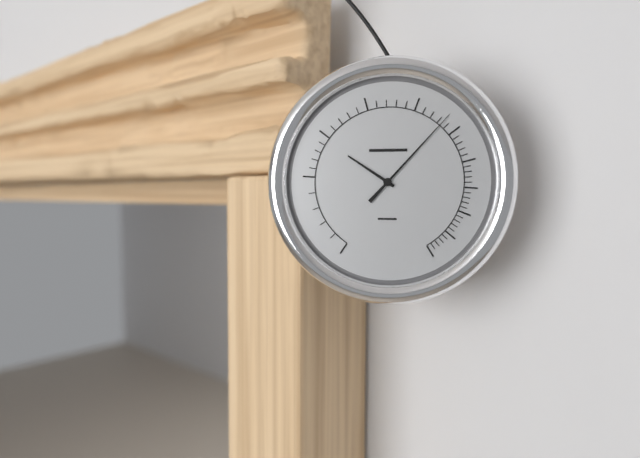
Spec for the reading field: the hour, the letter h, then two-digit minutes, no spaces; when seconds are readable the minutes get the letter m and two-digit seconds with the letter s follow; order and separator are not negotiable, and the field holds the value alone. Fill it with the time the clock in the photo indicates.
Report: 10h07
